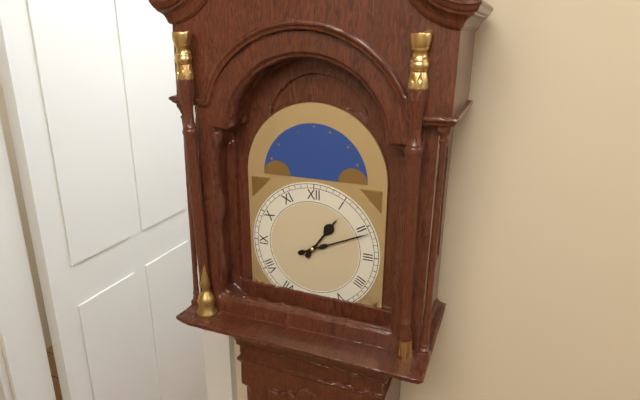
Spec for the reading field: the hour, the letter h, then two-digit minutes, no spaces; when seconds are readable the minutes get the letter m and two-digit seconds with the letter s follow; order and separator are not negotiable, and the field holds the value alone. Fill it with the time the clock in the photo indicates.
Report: 1h11
